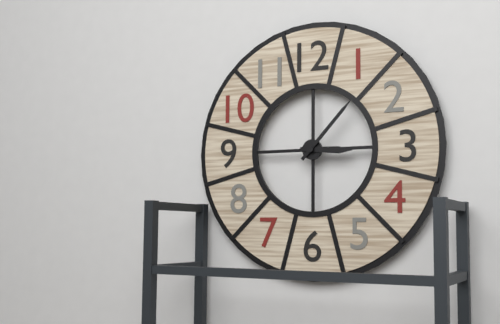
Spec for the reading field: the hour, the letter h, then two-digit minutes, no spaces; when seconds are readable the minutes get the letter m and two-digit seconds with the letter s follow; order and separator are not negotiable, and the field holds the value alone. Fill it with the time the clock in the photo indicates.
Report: 3h07
